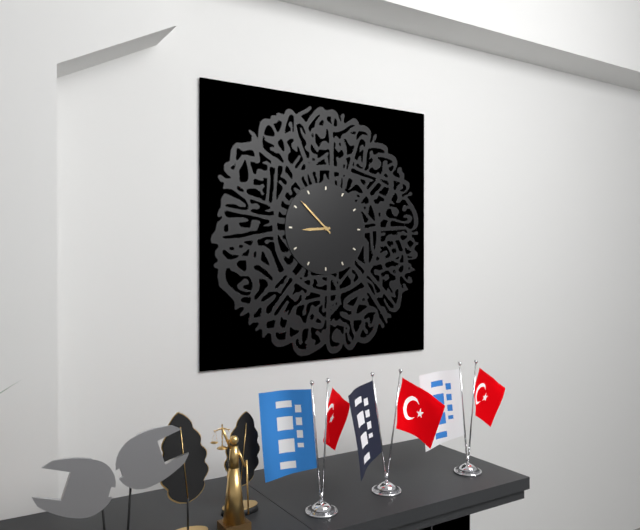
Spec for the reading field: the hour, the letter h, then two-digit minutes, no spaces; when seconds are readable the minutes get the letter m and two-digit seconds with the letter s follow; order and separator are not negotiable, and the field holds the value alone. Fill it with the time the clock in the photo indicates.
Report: 8h52
